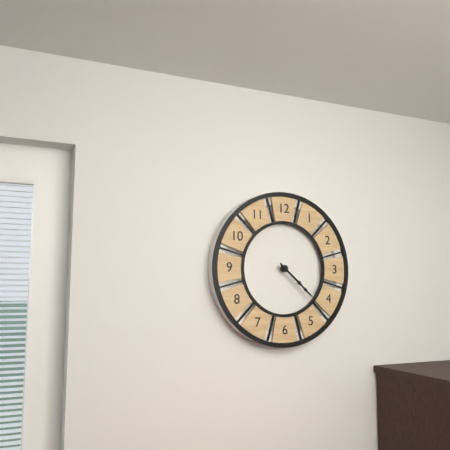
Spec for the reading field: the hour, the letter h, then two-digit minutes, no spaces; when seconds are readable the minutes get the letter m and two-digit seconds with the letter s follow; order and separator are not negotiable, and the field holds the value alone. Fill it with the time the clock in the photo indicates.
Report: 4h22
